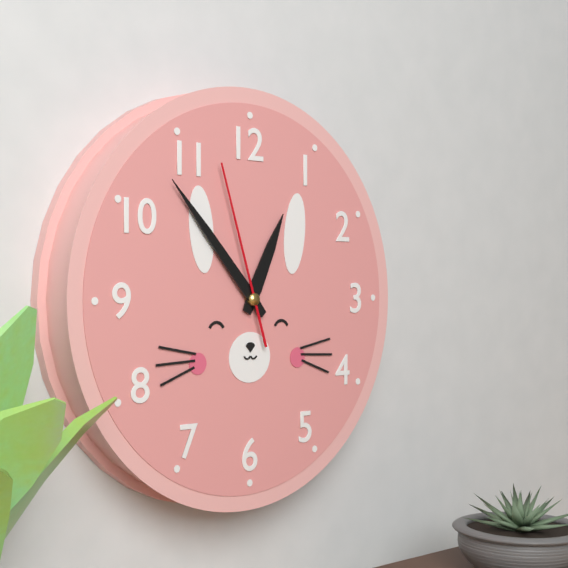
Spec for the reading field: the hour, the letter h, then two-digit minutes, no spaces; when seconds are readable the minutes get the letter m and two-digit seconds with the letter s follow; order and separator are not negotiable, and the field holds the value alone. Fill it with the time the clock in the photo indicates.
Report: 12h53m57s
